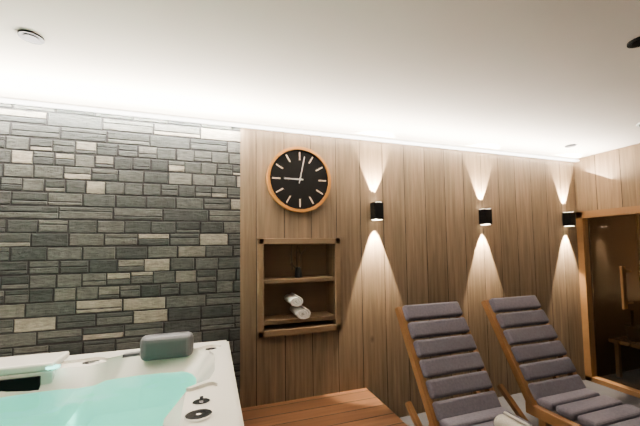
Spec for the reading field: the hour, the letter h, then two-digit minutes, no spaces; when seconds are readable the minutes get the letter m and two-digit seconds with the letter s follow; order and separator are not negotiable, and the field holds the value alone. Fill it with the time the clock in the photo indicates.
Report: 9h02
